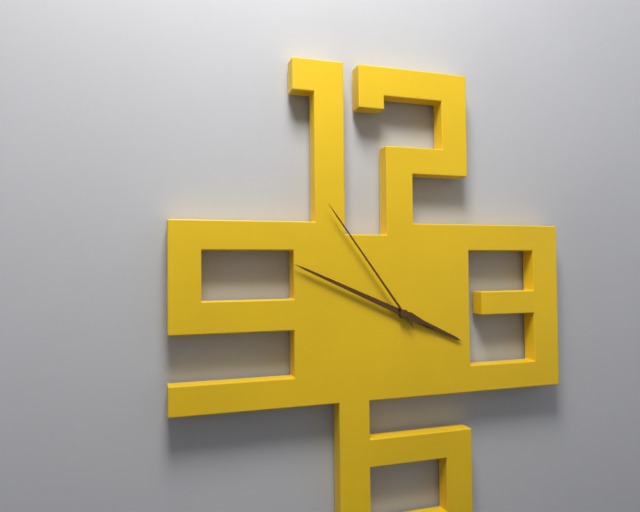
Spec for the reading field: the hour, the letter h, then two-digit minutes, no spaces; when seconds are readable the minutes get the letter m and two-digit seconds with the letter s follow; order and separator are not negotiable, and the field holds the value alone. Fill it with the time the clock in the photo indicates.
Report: 3h49m54s
